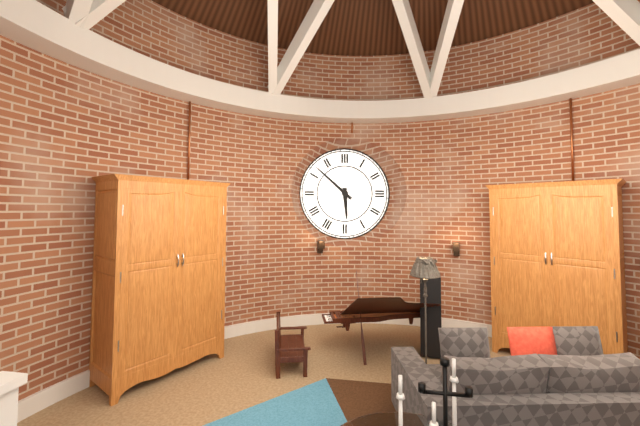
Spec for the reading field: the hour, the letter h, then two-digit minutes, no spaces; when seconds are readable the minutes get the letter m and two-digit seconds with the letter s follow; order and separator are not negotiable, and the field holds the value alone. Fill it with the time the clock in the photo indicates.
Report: 5h52
